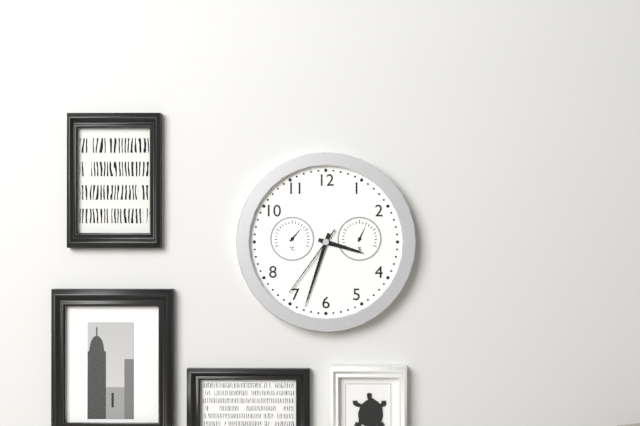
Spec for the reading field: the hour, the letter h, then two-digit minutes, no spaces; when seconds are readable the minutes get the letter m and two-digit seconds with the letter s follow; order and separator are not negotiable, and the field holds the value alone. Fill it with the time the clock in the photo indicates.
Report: 3h33m36s
